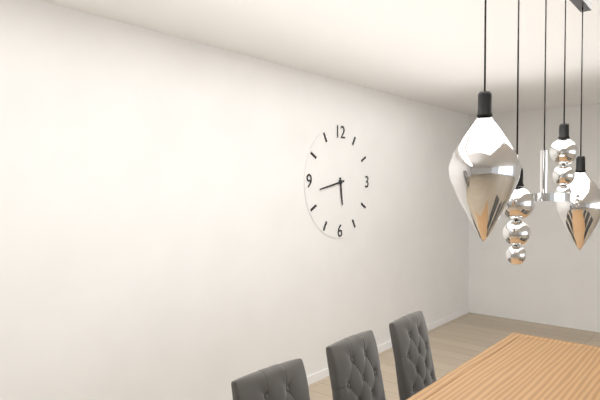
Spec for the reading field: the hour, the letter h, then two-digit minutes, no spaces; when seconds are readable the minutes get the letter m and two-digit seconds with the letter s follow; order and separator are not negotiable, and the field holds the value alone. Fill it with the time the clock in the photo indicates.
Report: 5h43
